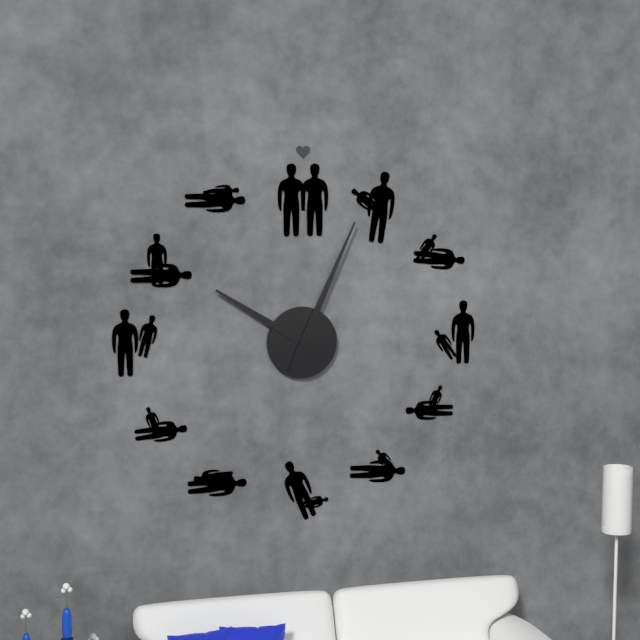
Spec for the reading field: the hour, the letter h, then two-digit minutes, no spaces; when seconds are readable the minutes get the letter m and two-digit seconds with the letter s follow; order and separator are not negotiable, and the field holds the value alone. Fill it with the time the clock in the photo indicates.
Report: 10h04
